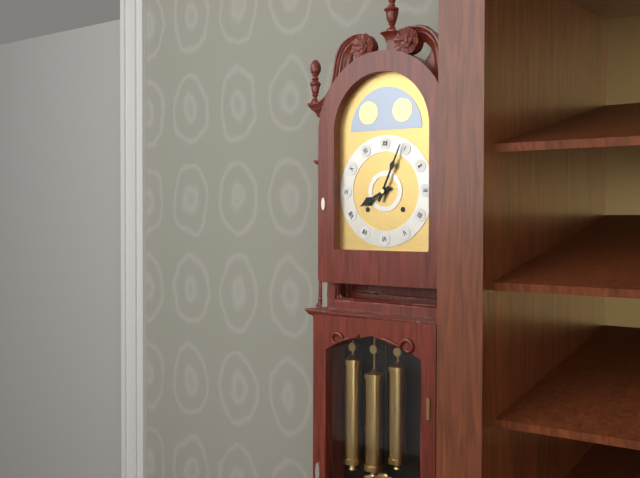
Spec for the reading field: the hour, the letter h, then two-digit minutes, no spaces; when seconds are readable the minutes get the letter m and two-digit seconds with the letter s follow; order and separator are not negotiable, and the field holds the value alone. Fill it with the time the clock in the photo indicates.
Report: 8h04
